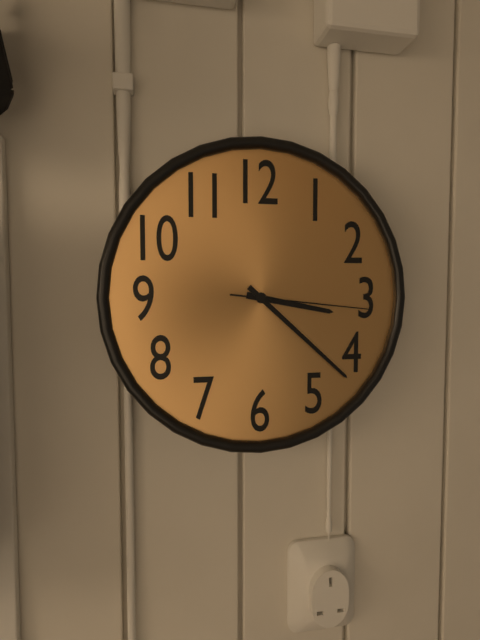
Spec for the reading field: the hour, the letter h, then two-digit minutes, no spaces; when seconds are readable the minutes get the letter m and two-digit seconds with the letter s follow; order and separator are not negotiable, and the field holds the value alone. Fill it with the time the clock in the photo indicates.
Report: 3h22m16s
